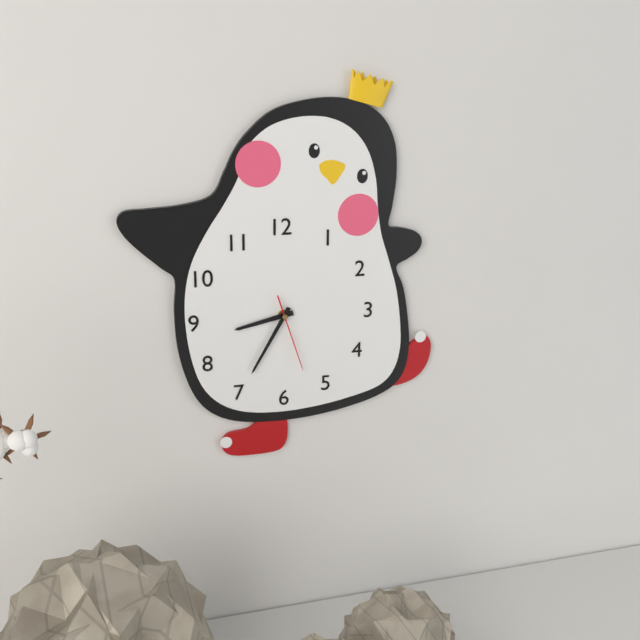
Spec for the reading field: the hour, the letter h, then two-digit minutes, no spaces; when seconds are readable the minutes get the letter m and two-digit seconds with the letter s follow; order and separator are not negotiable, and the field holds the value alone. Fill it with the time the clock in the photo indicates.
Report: 8h35m27s
